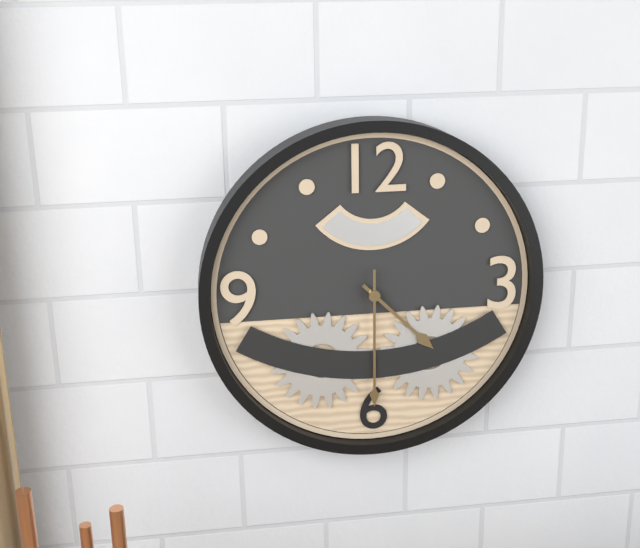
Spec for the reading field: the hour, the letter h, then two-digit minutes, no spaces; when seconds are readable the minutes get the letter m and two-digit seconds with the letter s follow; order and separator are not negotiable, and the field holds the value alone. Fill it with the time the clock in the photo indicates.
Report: 4h30
